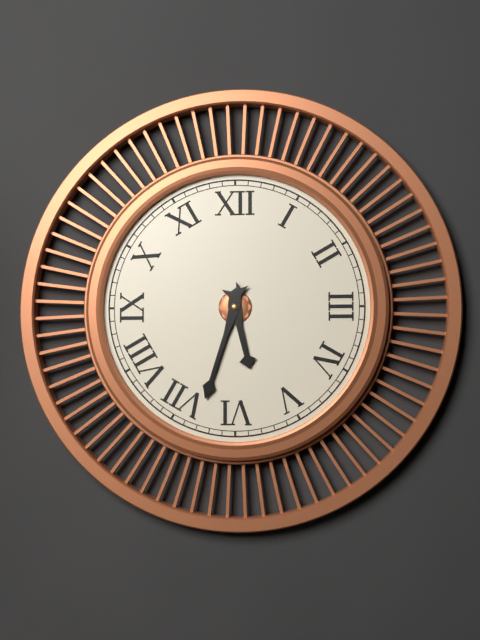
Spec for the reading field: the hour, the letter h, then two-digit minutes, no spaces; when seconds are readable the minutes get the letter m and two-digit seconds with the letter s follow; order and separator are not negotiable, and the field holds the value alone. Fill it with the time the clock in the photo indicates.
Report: 5h33
